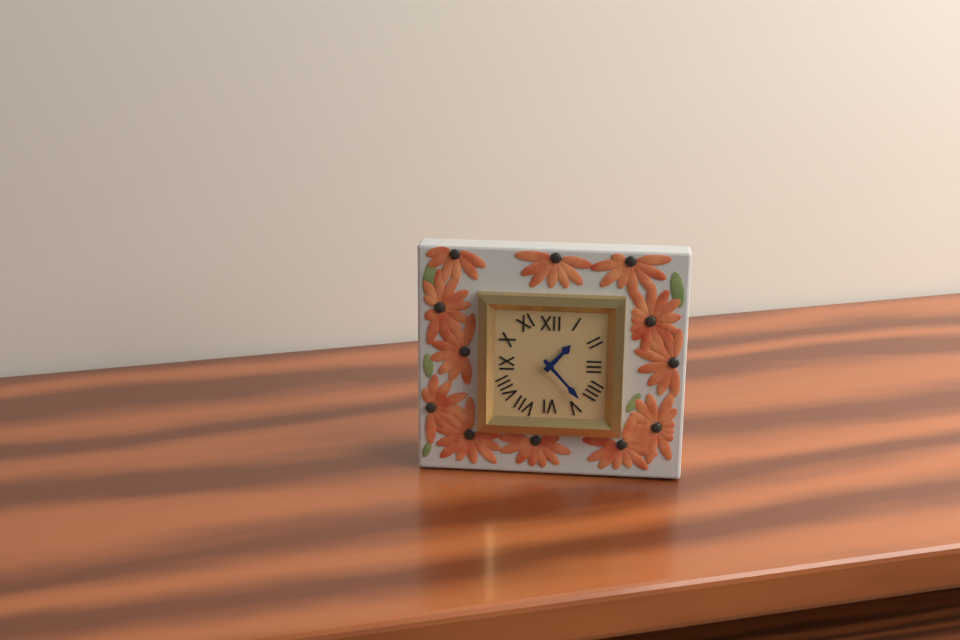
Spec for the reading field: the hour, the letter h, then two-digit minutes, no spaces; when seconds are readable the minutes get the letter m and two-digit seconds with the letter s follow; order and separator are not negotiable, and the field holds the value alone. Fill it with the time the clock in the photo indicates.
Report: 1h23
